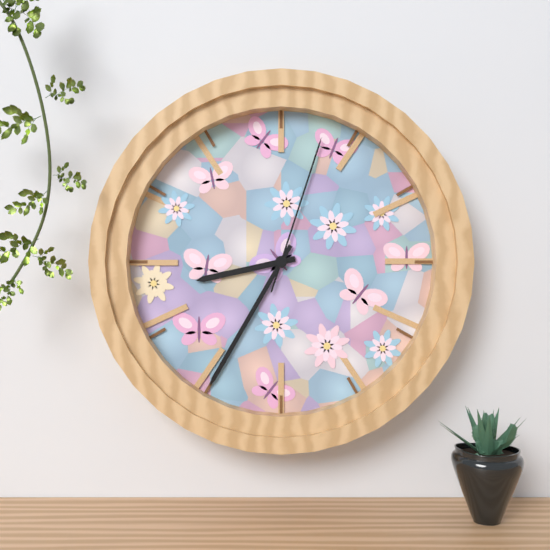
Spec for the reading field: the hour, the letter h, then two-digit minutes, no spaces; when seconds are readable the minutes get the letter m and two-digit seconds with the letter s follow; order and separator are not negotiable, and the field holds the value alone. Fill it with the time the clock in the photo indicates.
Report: 8h35m03s
